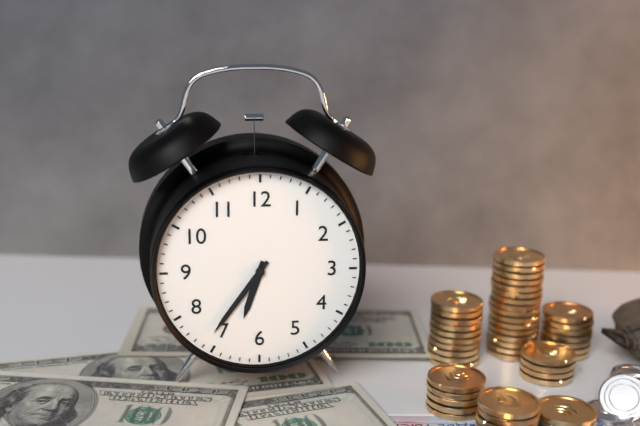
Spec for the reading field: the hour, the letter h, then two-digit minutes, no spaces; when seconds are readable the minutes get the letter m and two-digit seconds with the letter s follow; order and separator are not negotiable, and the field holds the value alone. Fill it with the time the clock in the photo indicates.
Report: 6h36
